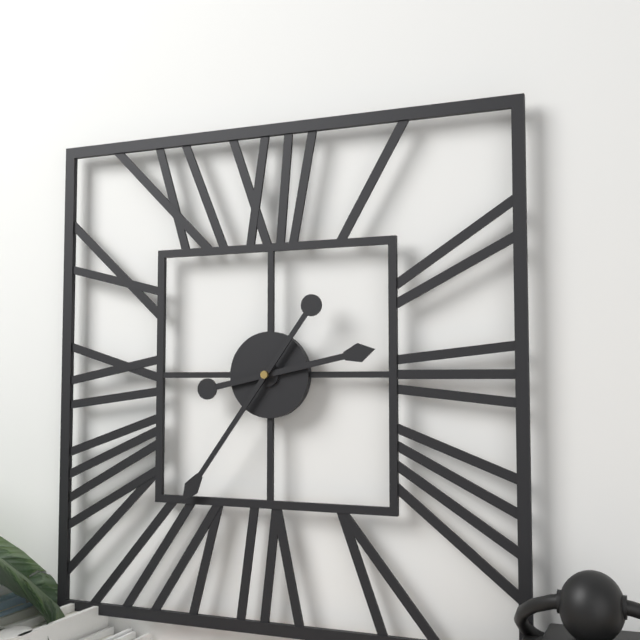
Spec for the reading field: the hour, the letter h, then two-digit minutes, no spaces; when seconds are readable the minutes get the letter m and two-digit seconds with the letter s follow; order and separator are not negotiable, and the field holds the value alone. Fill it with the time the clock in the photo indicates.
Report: 2h36
